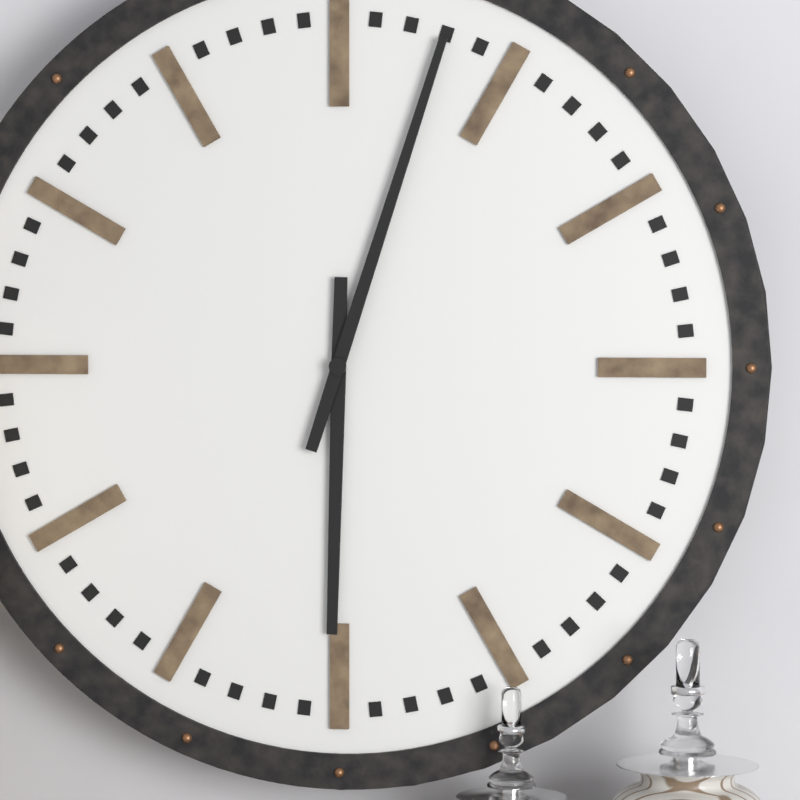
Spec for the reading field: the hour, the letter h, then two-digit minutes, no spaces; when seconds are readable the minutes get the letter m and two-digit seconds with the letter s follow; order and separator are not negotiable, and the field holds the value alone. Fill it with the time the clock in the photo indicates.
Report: 6h03
